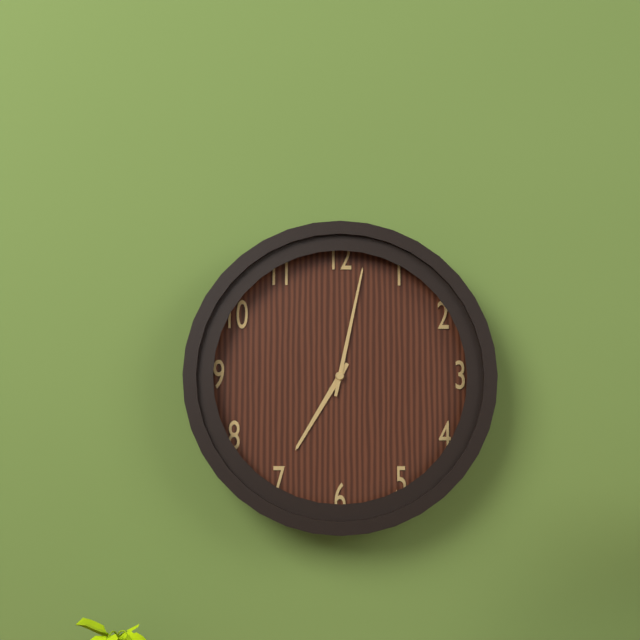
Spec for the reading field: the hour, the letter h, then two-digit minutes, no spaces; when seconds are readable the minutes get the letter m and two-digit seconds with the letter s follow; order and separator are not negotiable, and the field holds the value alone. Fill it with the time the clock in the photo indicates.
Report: 7h02
